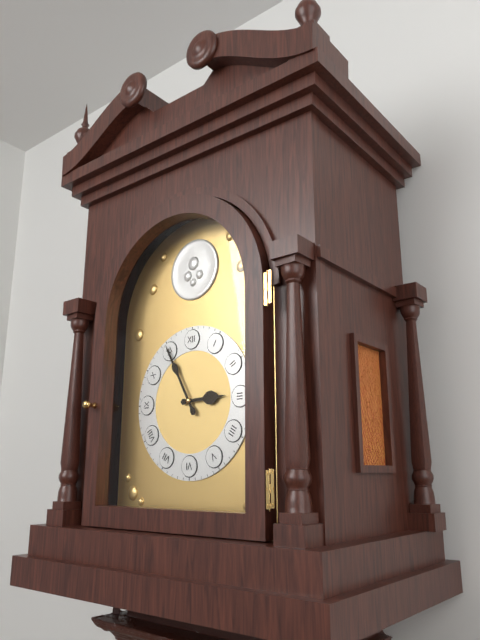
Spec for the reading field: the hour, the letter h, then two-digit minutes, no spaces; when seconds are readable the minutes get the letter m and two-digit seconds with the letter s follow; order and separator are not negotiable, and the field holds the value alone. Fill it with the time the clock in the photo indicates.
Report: 2h55
